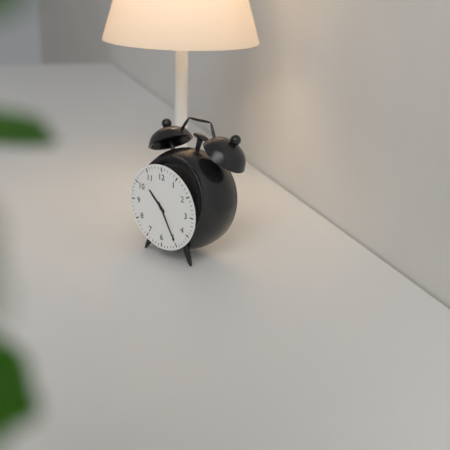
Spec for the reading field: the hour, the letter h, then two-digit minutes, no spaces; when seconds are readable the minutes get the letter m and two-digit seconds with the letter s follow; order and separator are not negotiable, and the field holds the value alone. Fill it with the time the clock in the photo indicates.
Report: 10h25
